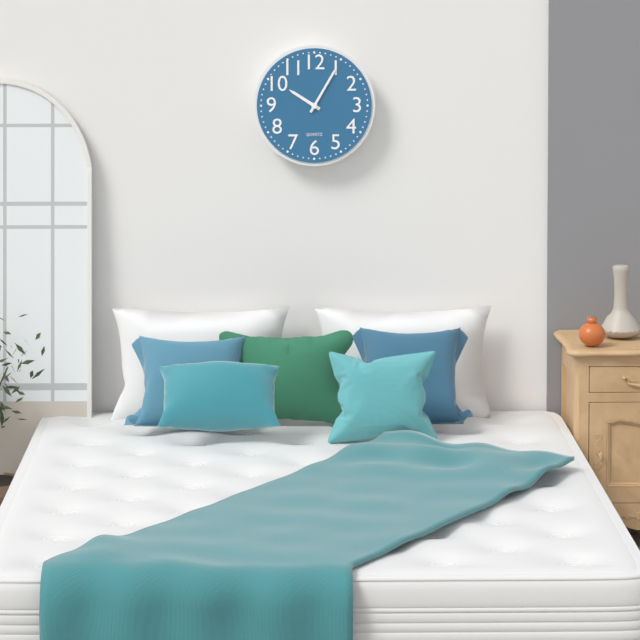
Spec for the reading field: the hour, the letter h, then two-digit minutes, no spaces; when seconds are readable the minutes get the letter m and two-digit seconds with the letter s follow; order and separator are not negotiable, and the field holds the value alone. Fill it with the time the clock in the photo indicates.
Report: 10h05
